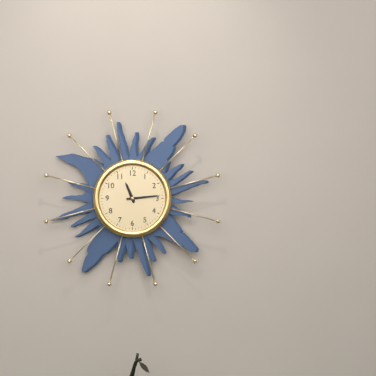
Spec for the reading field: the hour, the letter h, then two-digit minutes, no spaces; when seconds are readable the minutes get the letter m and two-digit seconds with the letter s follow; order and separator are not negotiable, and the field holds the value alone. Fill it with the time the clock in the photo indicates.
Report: 11h14
